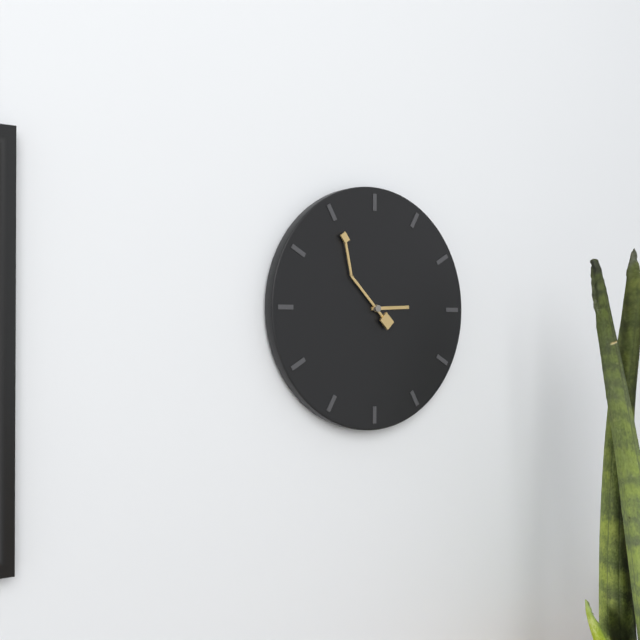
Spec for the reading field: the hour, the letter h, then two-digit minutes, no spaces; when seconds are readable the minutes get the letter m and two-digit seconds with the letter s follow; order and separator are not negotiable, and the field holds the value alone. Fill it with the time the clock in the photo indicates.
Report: 2h55
